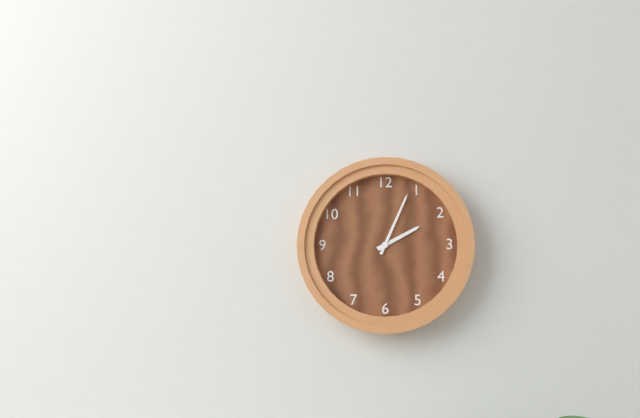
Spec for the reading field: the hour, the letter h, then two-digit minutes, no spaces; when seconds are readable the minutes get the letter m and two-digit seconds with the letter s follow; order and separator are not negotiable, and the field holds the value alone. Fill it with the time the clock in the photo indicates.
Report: 2h04
